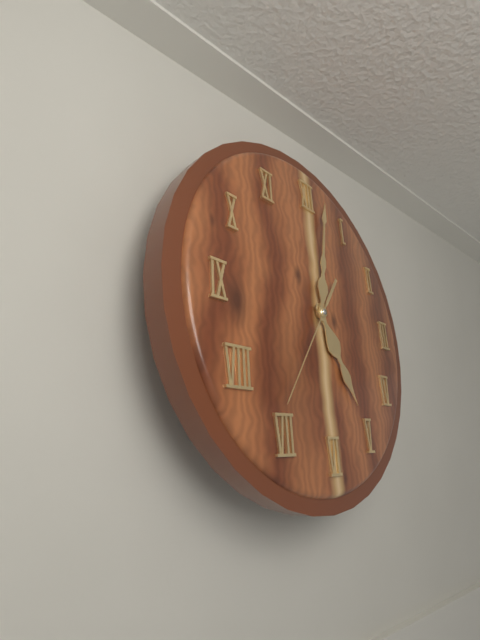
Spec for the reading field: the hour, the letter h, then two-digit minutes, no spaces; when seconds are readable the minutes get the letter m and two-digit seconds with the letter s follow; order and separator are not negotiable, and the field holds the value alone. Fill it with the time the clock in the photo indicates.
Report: 5h02m36s
